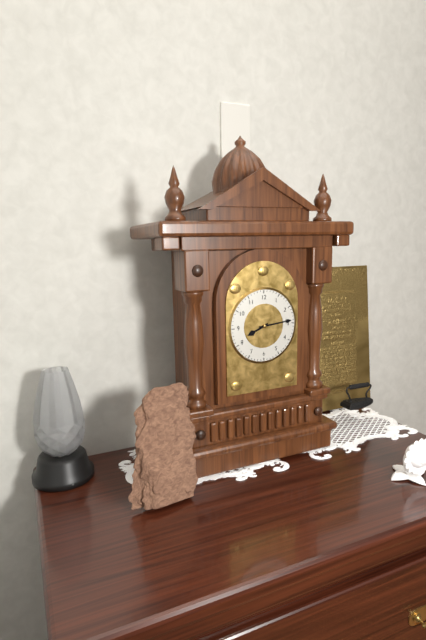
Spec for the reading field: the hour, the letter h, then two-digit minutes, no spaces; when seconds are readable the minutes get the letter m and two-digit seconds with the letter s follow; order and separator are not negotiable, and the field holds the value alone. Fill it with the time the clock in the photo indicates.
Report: 8h14
